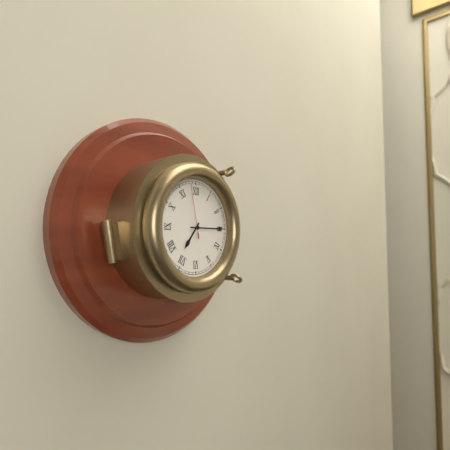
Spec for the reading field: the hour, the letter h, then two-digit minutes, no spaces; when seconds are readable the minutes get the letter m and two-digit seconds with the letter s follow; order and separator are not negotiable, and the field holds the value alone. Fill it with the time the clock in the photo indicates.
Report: 7h15m58s
